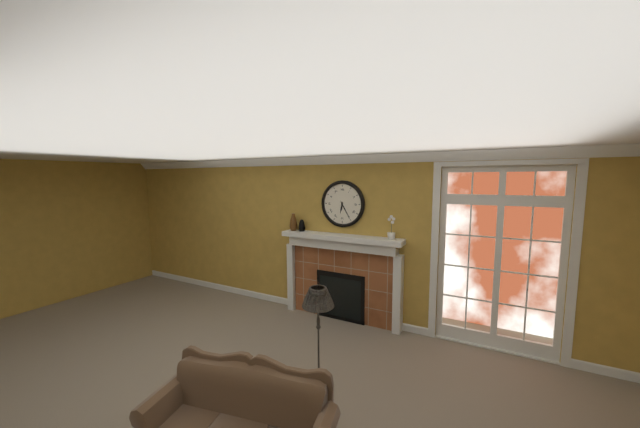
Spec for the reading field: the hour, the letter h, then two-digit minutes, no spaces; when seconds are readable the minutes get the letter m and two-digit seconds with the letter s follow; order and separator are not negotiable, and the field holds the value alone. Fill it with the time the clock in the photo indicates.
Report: 6h25
